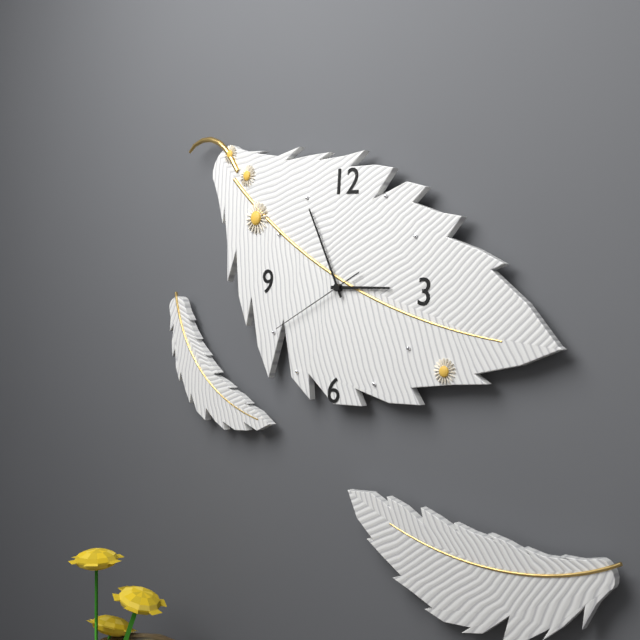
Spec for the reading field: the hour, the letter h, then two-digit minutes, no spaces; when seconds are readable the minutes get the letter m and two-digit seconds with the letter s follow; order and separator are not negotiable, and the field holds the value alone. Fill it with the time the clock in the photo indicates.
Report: 2h55m40s
